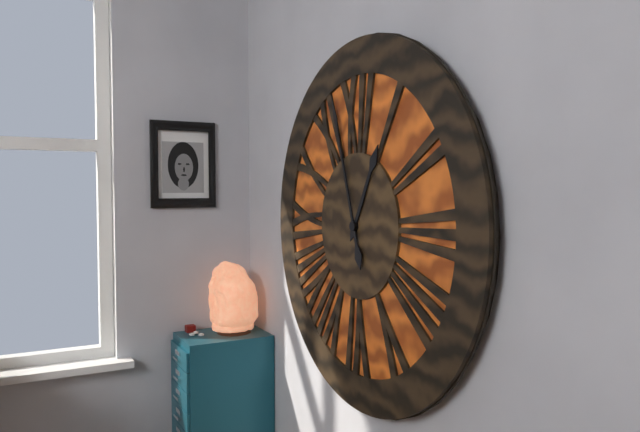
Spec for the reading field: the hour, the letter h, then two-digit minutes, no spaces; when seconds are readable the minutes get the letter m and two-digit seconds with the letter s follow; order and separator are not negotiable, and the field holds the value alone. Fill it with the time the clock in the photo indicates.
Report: 12h57
